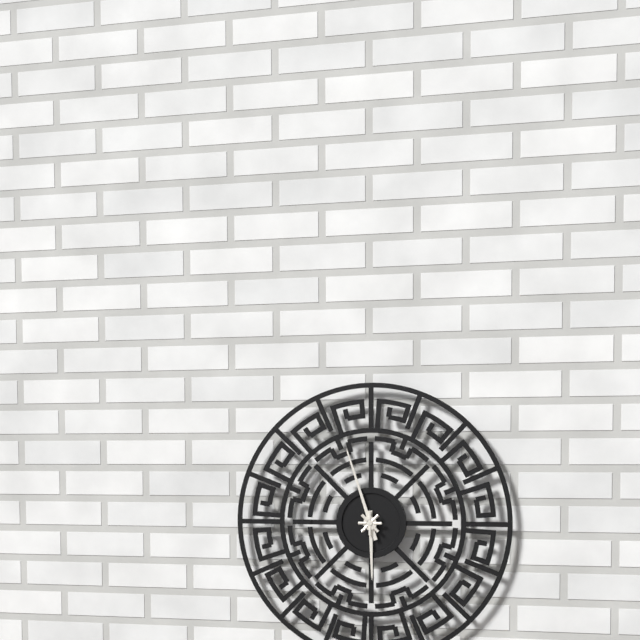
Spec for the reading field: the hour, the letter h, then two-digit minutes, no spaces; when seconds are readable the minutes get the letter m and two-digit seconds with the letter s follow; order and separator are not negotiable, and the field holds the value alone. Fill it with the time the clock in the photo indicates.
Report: 5h57
